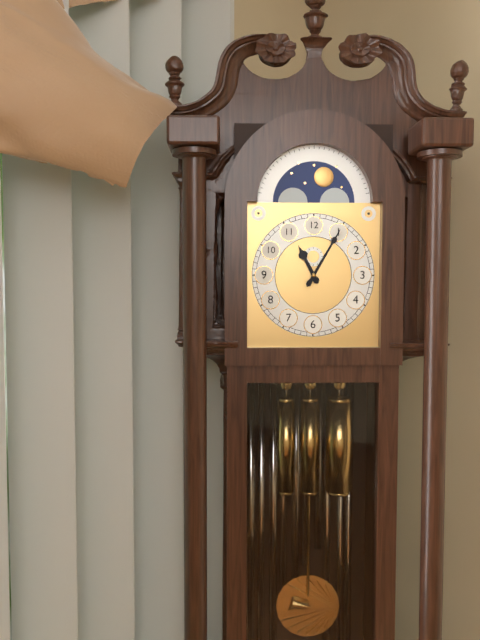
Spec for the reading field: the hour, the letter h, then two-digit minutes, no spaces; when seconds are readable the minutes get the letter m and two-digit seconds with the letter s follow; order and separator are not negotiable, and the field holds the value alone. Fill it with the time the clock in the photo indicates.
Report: 11h05
